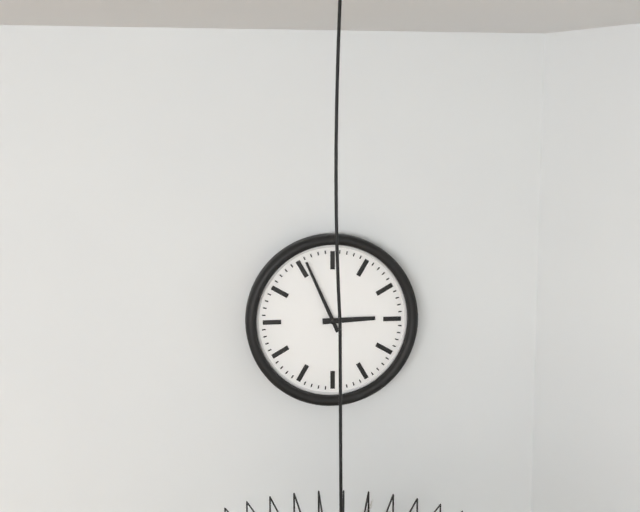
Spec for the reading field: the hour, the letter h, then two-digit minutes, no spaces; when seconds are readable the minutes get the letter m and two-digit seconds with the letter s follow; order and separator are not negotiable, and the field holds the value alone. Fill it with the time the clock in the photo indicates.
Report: 2h56
